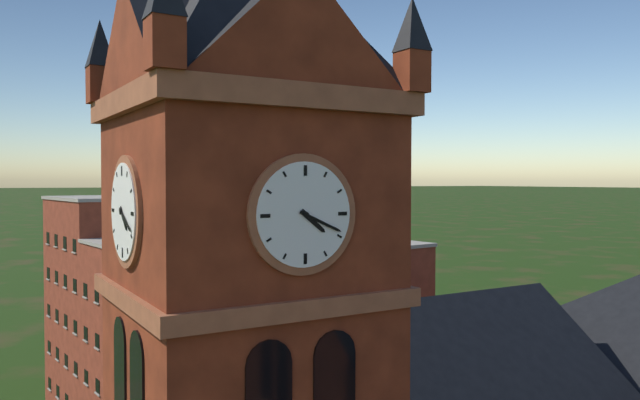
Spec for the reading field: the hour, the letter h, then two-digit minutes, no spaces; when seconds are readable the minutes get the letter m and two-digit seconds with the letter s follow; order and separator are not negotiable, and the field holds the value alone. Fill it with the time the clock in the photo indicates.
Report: 4h19
